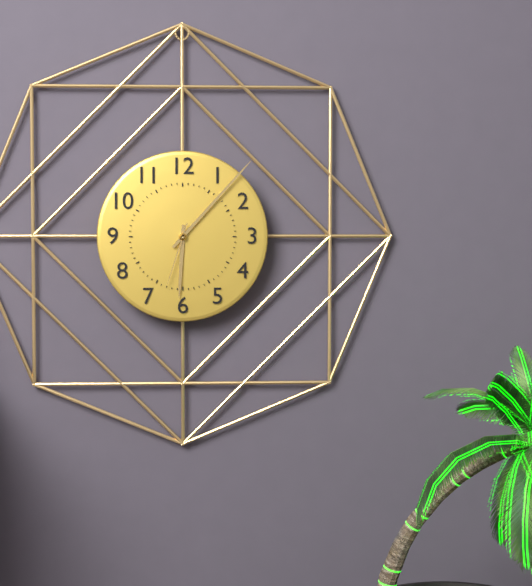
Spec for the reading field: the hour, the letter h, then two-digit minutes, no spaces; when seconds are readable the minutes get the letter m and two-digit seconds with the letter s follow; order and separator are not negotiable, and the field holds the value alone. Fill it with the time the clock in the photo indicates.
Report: 6h07m33s
